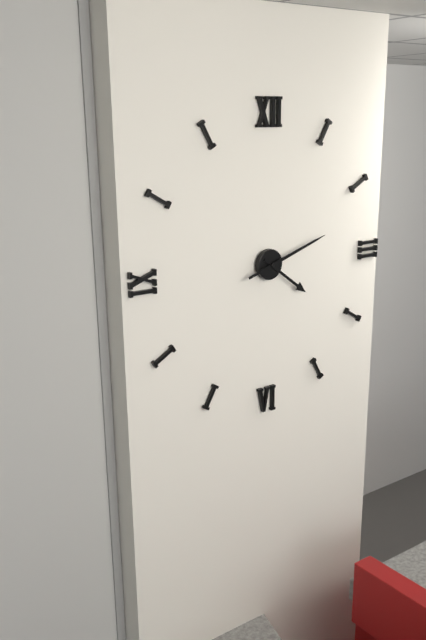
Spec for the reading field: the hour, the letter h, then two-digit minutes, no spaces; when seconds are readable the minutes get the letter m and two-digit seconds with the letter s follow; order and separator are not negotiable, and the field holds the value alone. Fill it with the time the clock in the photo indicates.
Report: 4h12
